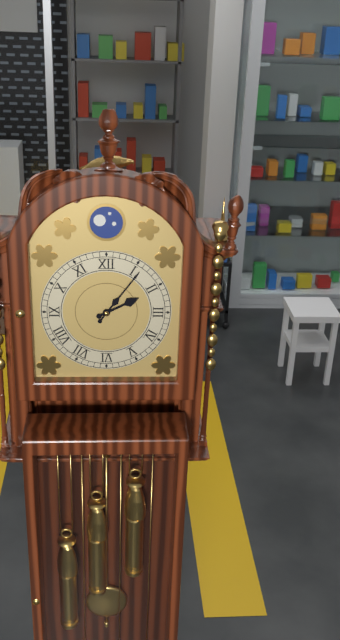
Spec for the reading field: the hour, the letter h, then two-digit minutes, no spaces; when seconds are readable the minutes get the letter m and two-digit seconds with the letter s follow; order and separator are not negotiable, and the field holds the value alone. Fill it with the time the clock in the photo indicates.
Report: 2h06
